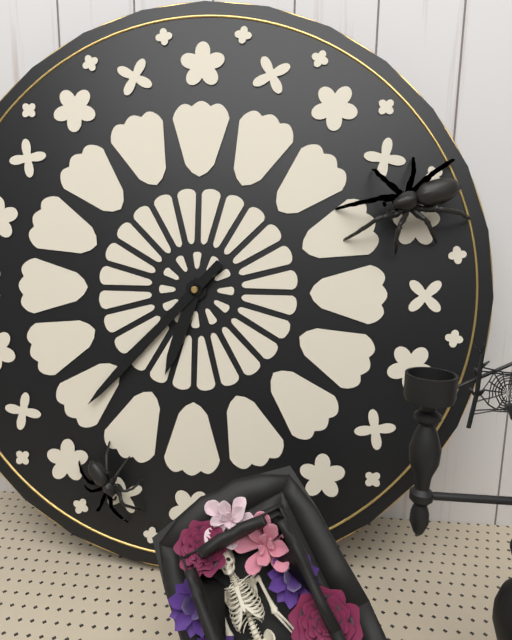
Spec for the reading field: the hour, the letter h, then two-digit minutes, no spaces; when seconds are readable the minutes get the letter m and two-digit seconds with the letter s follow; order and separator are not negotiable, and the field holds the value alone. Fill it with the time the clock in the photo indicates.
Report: 6h37
